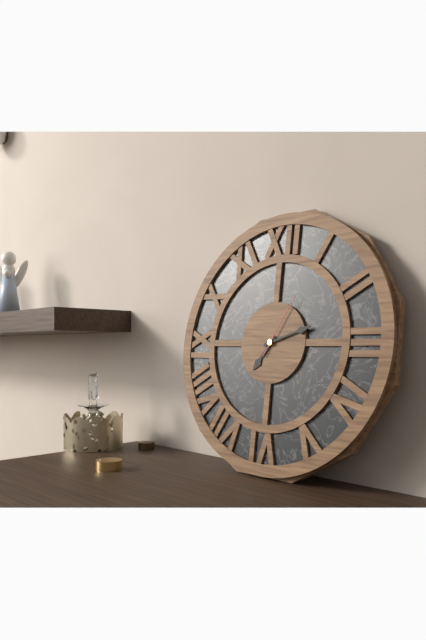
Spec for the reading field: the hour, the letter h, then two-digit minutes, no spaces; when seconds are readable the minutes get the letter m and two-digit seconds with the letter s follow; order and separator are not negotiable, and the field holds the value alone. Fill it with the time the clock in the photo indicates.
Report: 7h12m05s
